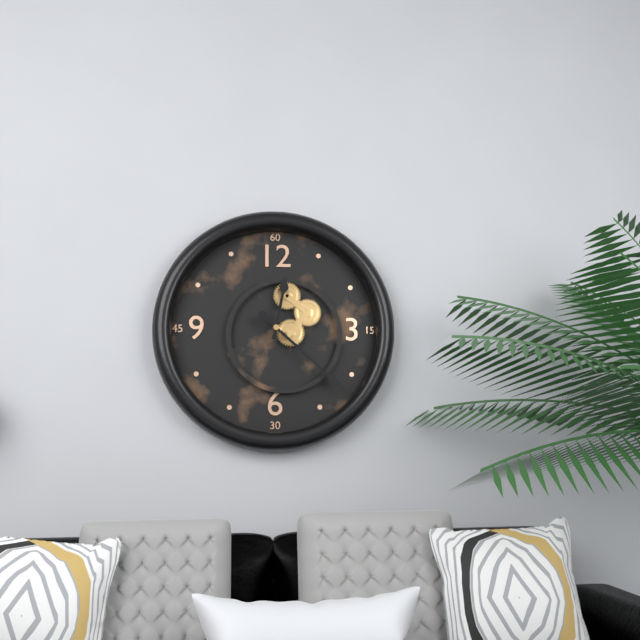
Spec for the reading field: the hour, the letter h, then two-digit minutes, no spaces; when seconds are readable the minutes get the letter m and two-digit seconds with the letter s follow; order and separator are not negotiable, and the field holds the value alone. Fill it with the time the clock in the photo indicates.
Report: 12h22
